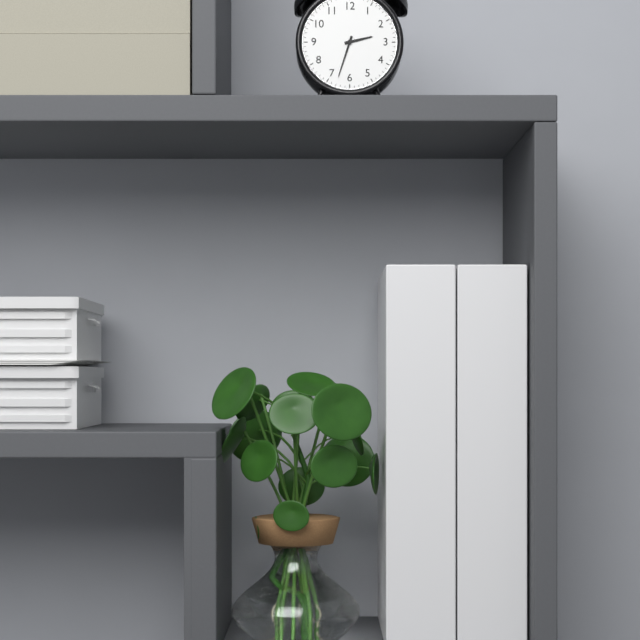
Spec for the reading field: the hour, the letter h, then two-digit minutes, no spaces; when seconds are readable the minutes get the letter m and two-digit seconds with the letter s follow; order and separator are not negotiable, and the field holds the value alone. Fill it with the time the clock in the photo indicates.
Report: 2h33
